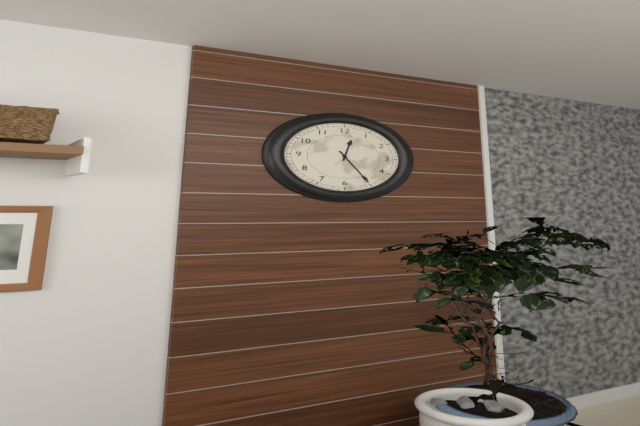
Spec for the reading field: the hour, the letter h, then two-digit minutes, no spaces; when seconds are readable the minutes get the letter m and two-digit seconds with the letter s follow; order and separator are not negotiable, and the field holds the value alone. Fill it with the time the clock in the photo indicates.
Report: 12h25
